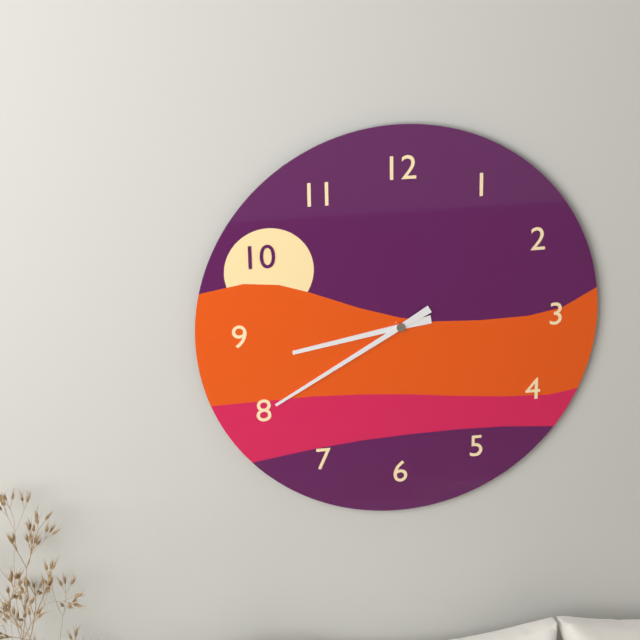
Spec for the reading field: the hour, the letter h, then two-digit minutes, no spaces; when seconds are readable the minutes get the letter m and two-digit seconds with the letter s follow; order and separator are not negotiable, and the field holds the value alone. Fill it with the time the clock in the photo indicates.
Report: 8h40
